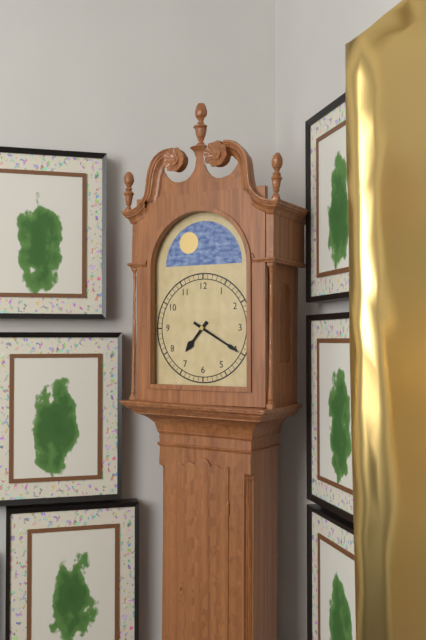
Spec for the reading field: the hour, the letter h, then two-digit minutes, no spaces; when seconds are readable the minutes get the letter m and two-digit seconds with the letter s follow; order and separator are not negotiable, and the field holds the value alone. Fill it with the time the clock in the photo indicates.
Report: 7h20
